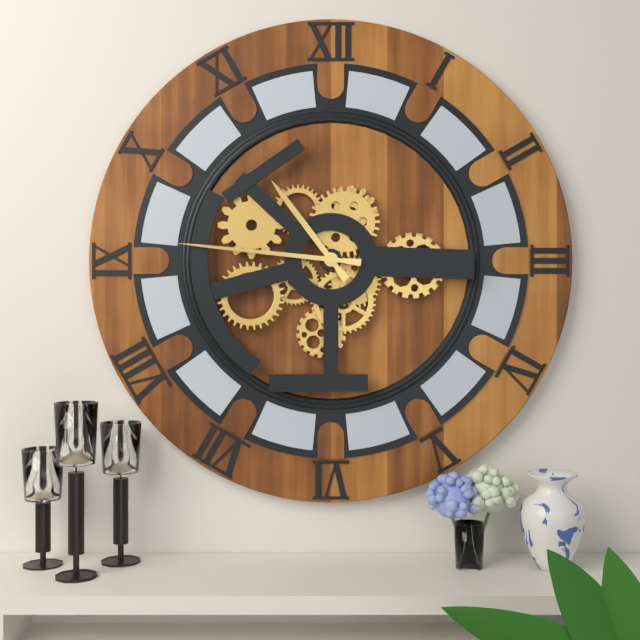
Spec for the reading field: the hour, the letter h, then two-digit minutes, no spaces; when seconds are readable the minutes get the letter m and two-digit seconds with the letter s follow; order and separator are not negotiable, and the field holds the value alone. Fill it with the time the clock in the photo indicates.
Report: 10h46
